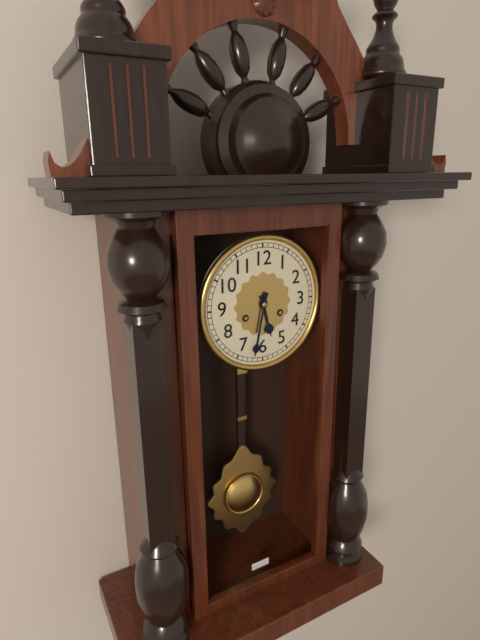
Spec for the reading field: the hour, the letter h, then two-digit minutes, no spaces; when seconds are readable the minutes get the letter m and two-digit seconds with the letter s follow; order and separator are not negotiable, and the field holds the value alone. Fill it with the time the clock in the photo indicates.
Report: 5h32
